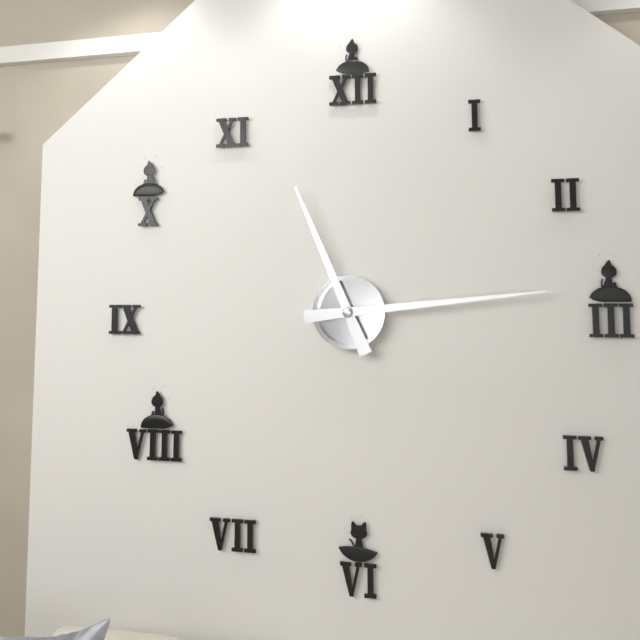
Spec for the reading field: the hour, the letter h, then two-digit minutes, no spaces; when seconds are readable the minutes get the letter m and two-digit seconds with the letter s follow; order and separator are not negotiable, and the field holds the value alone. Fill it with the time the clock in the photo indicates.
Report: 11h14
